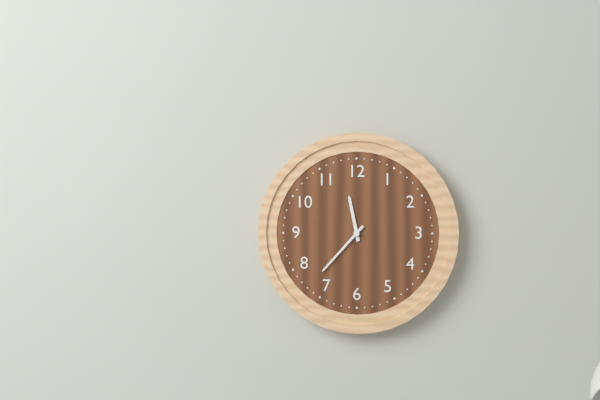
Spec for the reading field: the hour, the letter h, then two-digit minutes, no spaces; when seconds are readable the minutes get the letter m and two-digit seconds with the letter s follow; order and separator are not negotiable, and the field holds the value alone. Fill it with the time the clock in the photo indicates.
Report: 11h37
